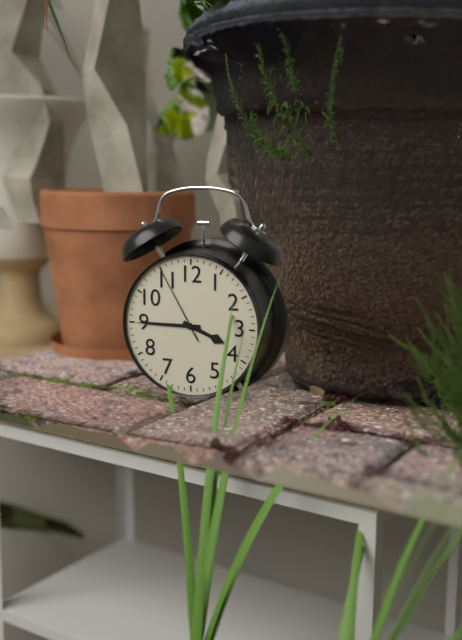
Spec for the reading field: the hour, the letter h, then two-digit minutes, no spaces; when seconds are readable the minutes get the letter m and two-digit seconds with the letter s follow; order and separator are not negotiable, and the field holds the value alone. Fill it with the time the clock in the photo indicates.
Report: 3h45m55s
